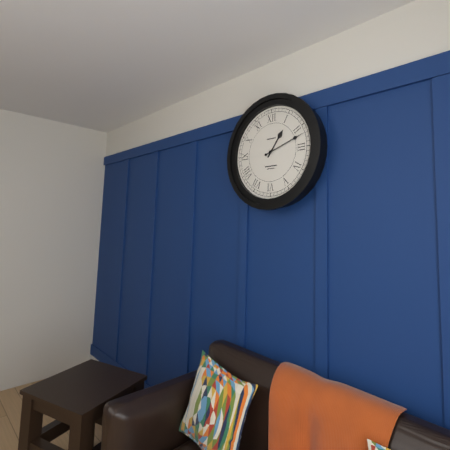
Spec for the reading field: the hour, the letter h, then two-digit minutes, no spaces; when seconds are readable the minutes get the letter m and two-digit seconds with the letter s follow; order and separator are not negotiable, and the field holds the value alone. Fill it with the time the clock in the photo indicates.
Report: 1h12
